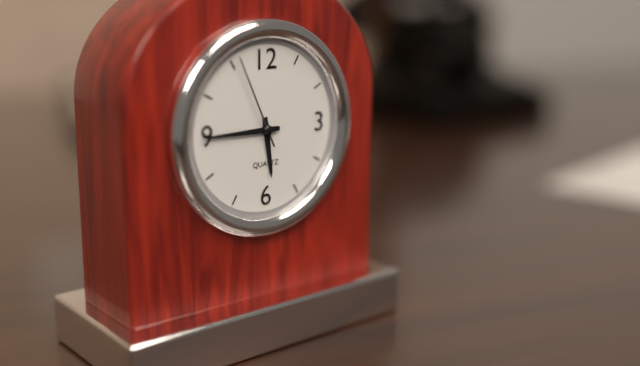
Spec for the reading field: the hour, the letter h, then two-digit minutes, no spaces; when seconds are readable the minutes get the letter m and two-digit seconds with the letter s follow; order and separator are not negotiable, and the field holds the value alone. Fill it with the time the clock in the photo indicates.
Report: 5h45m56s
